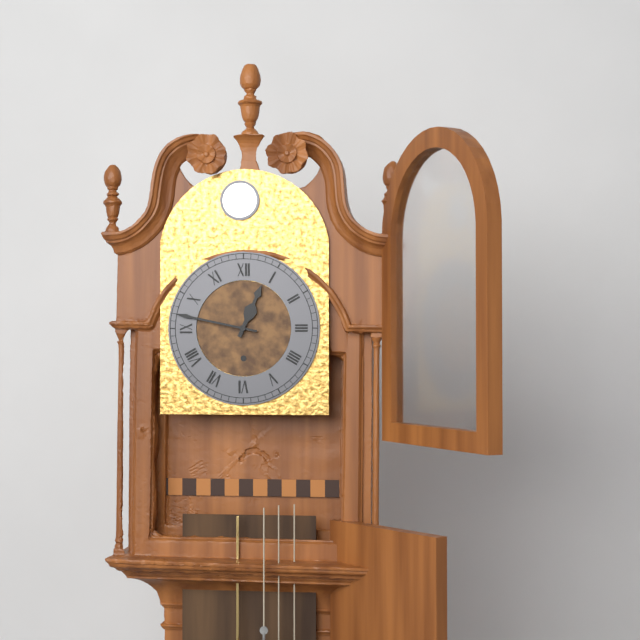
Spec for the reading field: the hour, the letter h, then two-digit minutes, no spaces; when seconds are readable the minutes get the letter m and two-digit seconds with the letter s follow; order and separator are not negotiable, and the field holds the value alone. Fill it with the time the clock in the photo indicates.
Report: 12h47
